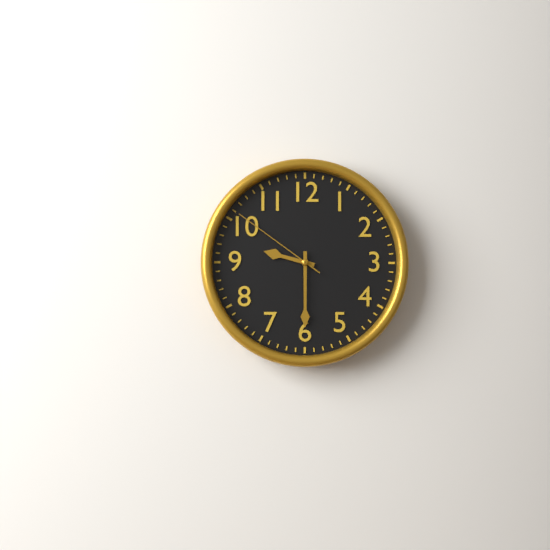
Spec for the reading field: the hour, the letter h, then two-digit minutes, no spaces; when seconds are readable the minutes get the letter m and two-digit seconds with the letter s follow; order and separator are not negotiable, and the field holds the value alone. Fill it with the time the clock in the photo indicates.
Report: 9h30m51s
